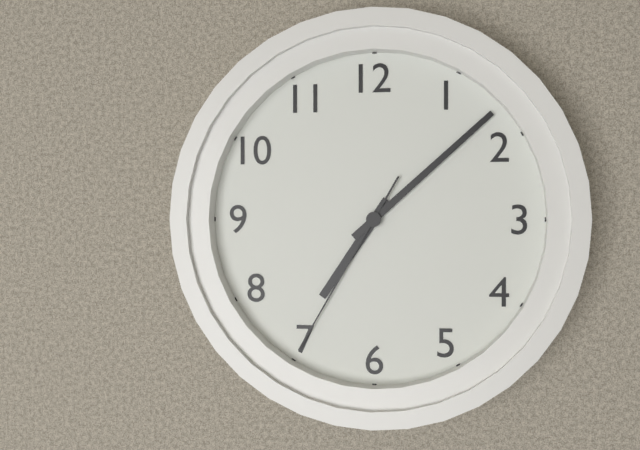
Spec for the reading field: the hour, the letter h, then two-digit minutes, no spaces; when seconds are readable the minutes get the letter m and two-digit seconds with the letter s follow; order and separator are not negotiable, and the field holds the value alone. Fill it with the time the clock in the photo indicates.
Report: 7h08m35s
